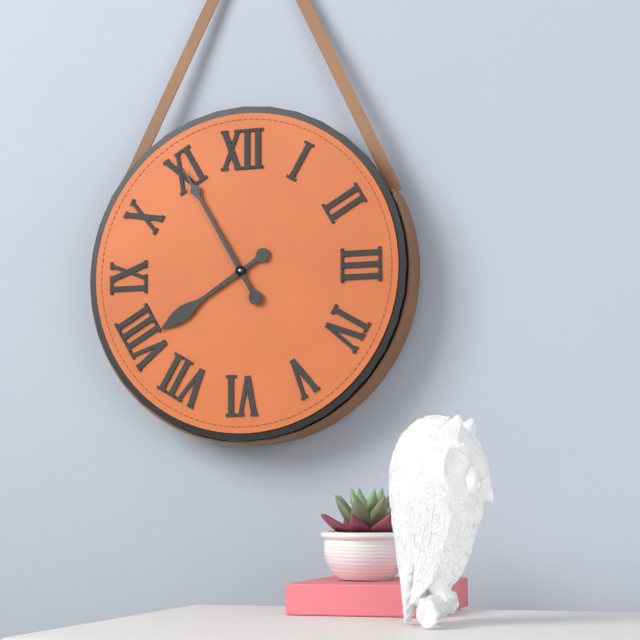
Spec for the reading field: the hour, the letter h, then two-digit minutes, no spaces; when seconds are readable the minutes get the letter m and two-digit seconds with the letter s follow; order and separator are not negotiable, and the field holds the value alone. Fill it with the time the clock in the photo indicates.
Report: 7h55
